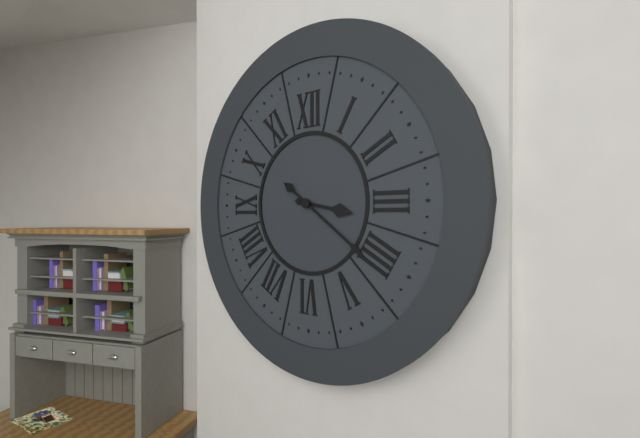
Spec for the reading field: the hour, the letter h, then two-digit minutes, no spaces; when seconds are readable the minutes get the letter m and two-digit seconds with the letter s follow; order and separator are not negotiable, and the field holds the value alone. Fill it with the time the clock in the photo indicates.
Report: 3h21
